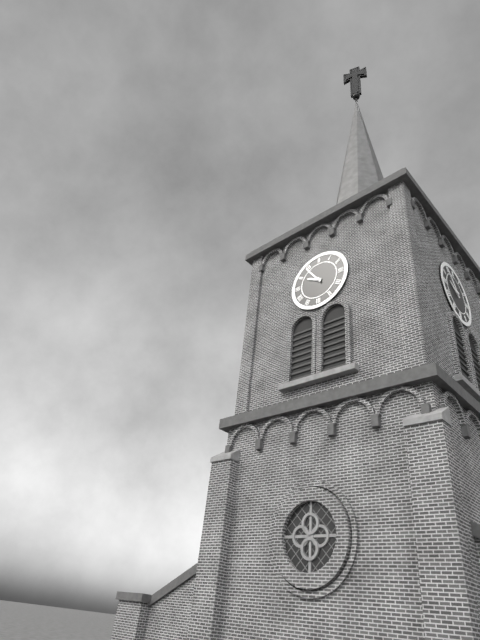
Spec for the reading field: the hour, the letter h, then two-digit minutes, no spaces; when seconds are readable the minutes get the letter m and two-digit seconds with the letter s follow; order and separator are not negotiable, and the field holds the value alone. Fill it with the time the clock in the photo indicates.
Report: 9h54
